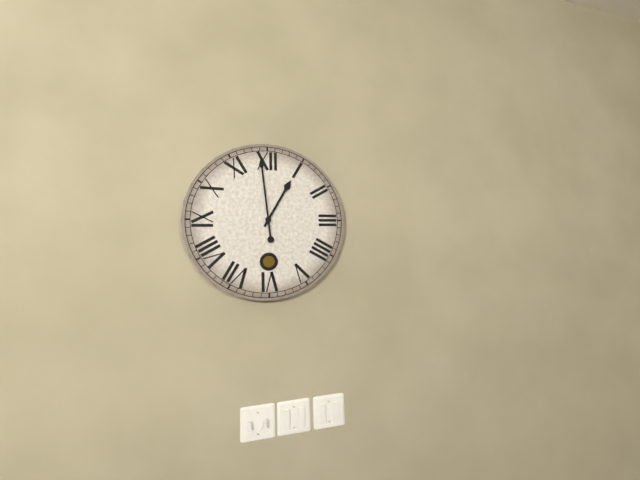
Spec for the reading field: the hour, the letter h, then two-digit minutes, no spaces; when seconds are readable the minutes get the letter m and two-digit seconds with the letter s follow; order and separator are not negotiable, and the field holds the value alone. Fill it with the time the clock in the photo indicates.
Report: 12h59
